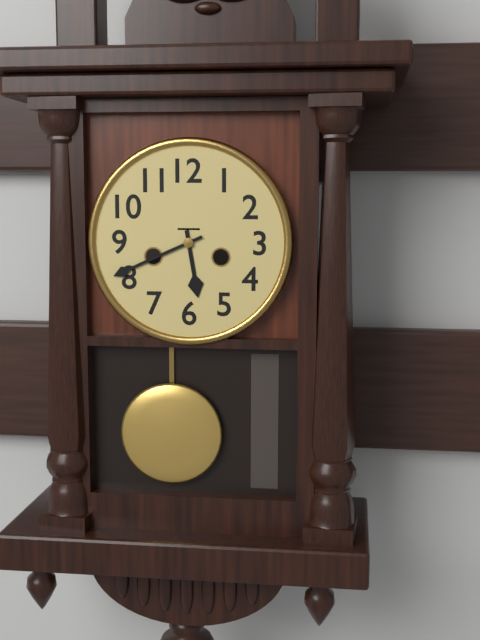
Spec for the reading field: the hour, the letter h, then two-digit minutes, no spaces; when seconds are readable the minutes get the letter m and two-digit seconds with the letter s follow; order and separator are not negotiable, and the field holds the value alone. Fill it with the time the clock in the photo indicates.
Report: 5h41
